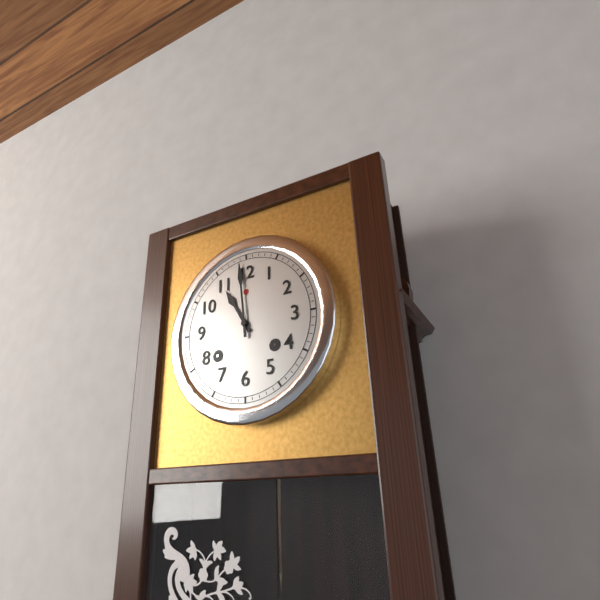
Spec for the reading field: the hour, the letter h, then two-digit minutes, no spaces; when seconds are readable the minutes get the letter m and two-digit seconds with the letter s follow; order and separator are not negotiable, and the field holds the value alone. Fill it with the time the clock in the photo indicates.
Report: 10h59
